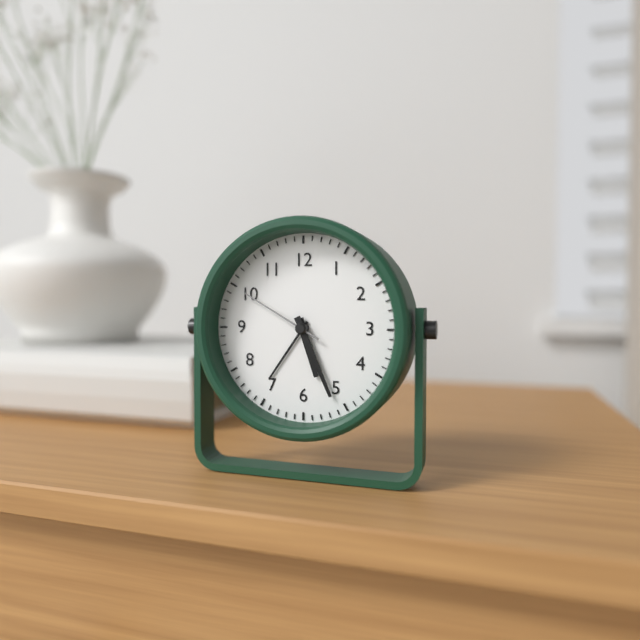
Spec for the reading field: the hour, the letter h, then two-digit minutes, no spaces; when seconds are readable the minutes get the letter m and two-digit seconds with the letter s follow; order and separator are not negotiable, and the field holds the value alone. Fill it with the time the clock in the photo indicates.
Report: 5h26m50s
